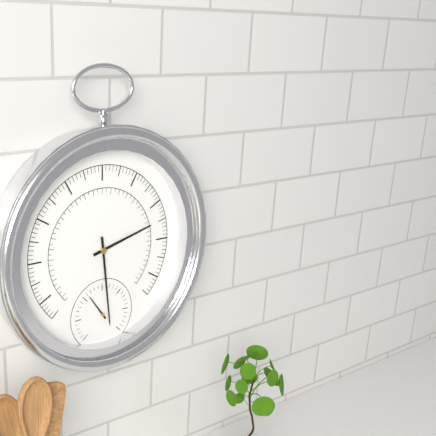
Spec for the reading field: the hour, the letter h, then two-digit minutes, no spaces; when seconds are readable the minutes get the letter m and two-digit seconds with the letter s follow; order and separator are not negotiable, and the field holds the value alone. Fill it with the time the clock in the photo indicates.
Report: 2h29
